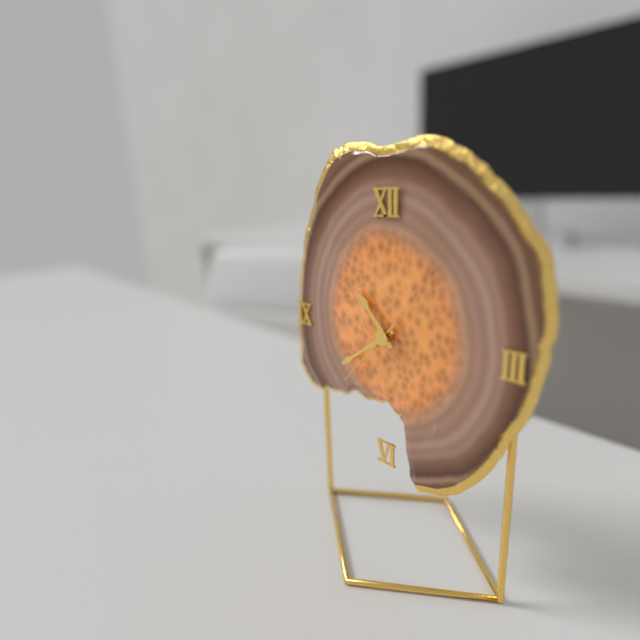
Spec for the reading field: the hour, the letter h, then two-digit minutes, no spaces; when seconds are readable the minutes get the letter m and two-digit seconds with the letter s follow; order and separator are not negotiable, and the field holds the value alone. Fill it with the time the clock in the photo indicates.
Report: 10h39m37s
